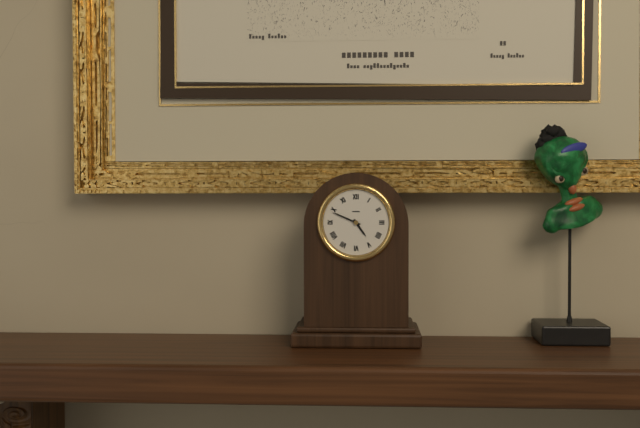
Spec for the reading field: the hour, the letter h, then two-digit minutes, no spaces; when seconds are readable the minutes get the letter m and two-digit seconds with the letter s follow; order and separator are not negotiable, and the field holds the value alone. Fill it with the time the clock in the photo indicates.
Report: 4h49
